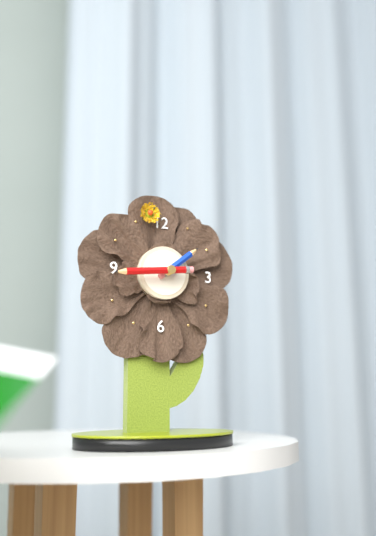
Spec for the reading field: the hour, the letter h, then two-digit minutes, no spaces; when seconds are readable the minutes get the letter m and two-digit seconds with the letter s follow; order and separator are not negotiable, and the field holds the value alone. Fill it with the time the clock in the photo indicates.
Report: 1h44
